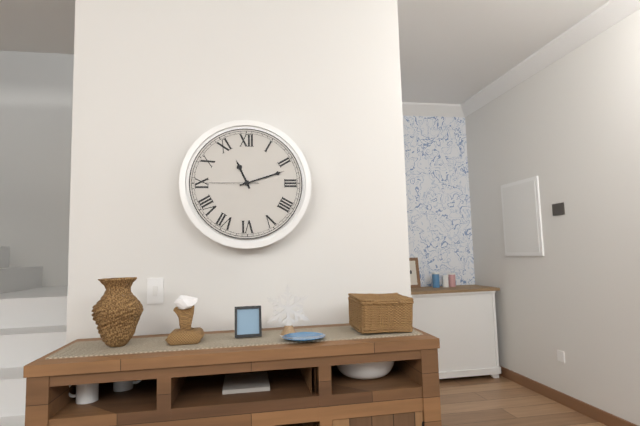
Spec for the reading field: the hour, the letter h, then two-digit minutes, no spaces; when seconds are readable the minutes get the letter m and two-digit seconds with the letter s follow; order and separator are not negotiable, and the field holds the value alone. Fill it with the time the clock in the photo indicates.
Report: 11h12m45s
